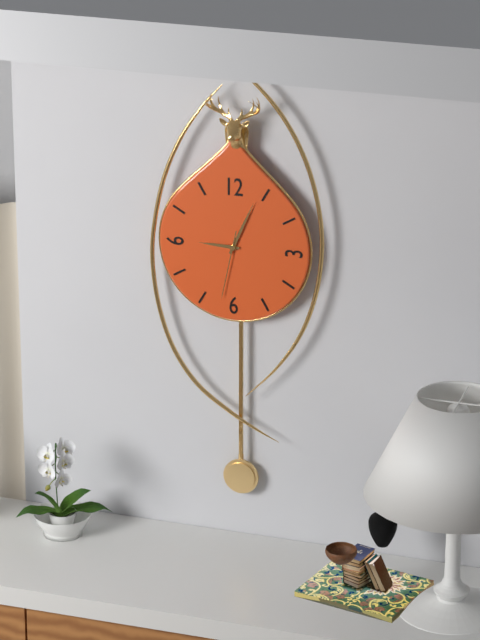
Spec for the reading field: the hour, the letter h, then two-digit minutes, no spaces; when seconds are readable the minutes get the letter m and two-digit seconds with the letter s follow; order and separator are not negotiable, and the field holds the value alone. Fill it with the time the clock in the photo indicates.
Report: 9h04m32s
